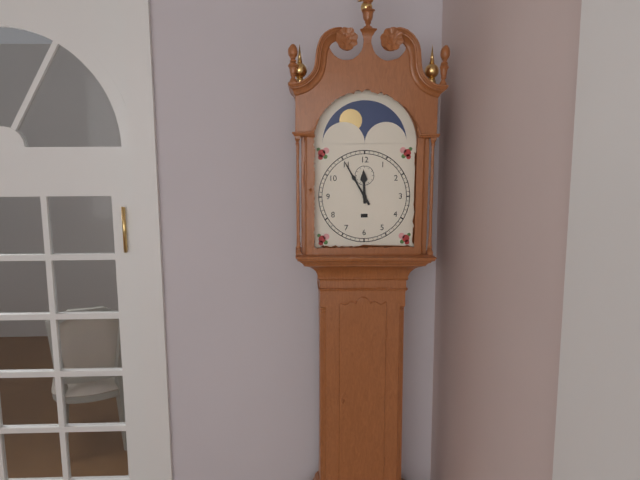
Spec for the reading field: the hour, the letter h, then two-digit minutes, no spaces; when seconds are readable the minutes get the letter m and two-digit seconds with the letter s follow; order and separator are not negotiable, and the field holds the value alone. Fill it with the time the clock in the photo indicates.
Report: 11h55
